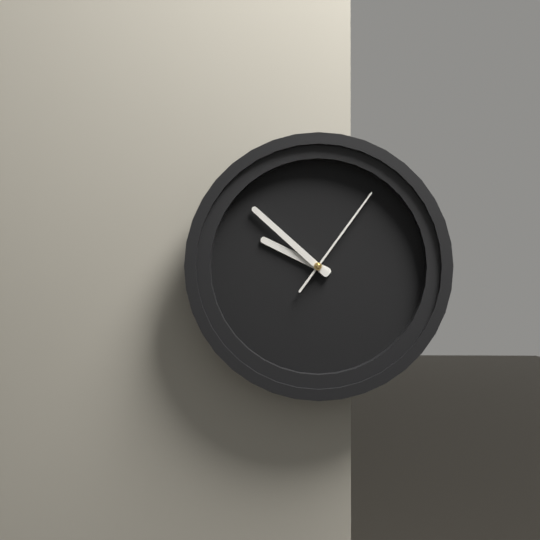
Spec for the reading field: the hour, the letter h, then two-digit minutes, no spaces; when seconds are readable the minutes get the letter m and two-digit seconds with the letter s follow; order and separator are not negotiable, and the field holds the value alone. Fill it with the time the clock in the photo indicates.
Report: 9h52m06s
